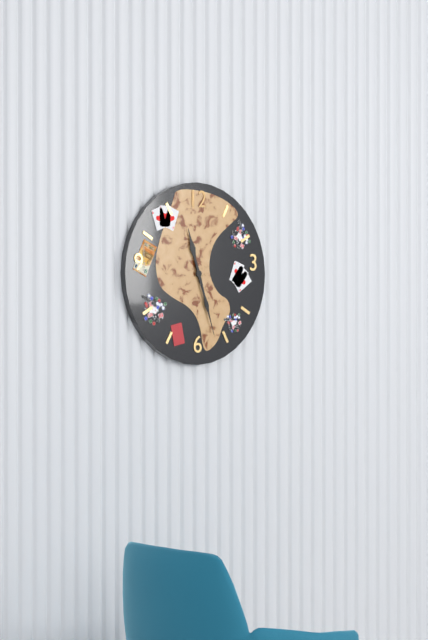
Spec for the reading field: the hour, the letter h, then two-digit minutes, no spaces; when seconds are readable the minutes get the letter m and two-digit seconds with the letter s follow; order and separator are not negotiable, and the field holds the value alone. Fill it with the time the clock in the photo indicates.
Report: 11h27
